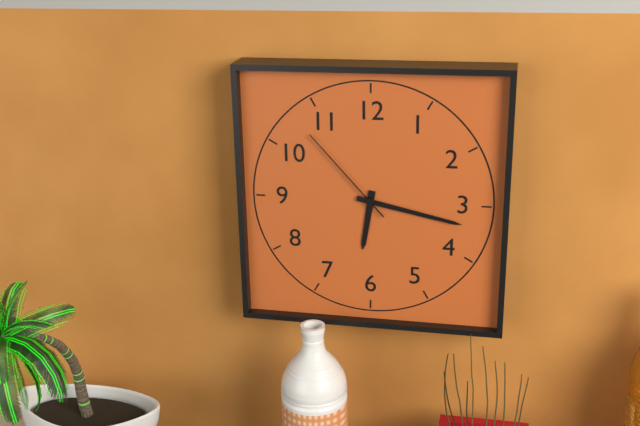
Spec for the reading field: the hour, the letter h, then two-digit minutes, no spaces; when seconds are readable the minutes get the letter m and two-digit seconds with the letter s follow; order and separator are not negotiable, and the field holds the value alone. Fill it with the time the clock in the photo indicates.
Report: 6h17m53s
